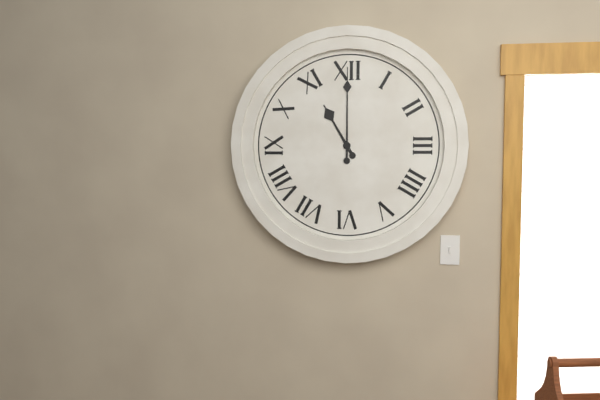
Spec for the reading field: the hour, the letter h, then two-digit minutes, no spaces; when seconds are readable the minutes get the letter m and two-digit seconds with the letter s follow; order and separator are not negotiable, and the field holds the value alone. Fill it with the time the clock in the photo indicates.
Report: 11h00
